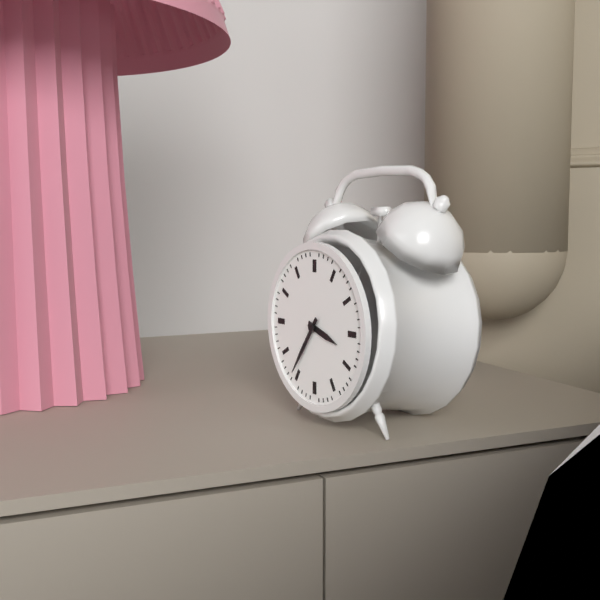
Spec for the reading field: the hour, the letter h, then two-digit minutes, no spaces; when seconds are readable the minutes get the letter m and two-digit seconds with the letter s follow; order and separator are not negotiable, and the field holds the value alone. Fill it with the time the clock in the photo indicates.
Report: 3h36
